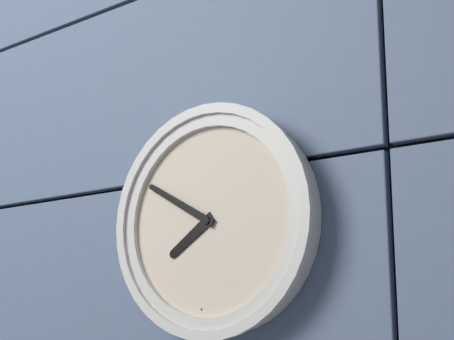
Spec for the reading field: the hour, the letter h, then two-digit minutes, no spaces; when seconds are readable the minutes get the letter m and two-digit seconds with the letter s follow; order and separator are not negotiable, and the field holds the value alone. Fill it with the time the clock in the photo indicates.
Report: 7h50
